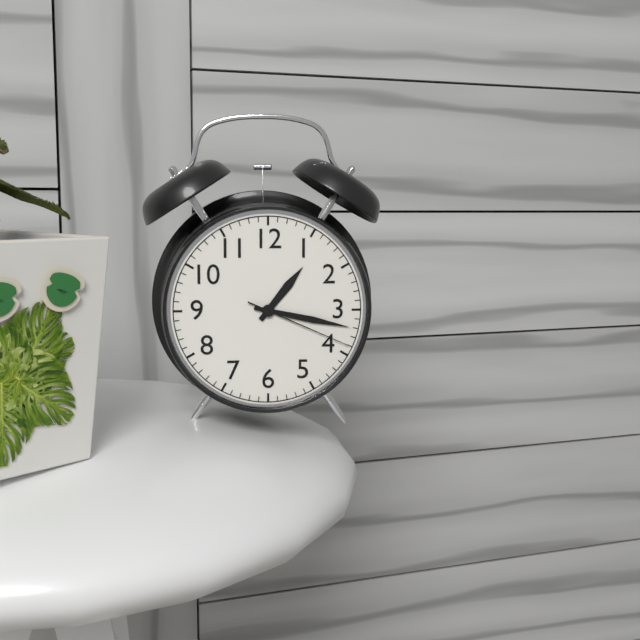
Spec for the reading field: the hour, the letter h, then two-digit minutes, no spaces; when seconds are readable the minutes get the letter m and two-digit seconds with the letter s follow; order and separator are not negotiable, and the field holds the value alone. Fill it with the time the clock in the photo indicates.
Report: 1h17m19s
